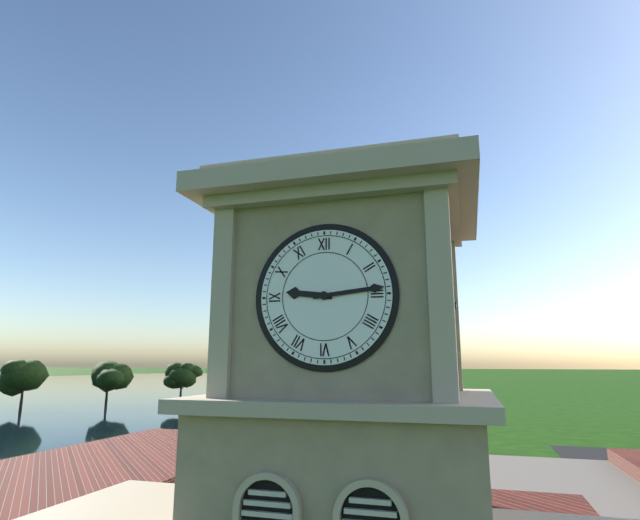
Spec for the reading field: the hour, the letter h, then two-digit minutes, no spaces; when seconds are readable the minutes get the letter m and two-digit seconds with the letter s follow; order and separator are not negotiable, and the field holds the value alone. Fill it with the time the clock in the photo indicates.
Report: 9h14
